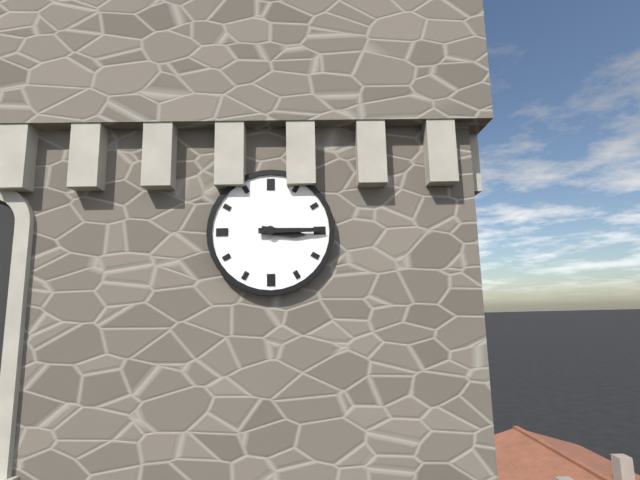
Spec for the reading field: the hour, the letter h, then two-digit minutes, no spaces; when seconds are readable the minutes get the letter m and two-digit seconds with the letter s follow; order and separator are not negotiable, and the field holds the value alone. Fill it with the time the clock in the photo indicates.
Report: 3h15
